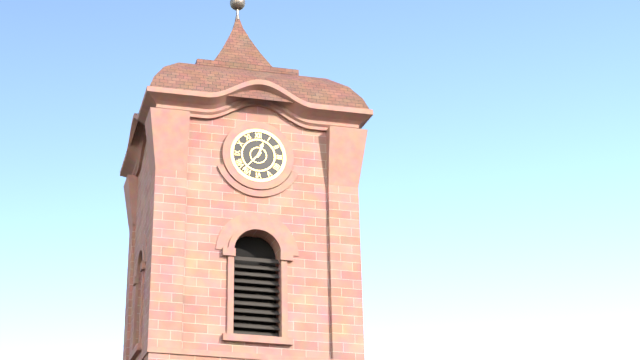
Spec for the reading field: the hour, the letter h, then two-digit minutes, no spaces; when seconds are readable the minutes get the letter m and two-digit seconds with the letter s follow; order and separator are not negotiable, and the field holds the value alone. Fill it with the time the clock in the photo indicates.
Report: 12h37
